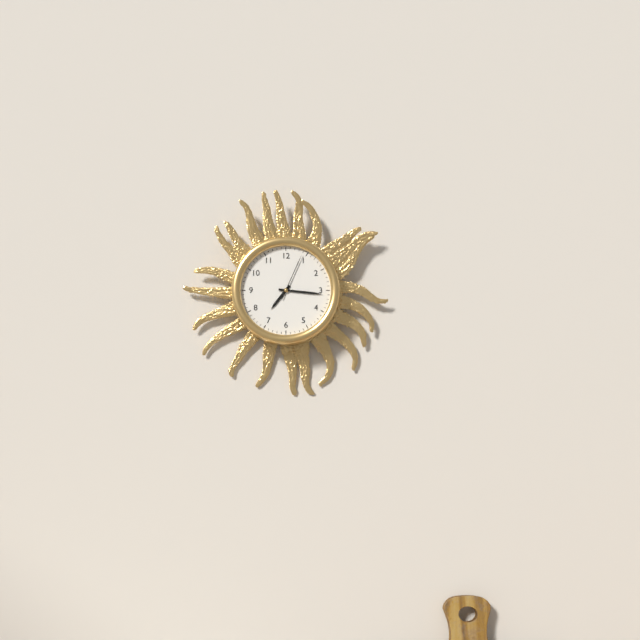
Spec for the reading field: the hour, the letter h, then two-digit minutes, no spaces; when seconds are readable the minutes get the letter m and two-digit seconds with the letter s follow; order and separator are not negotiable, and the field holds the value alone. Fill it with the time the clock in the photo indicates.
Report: 7h16
